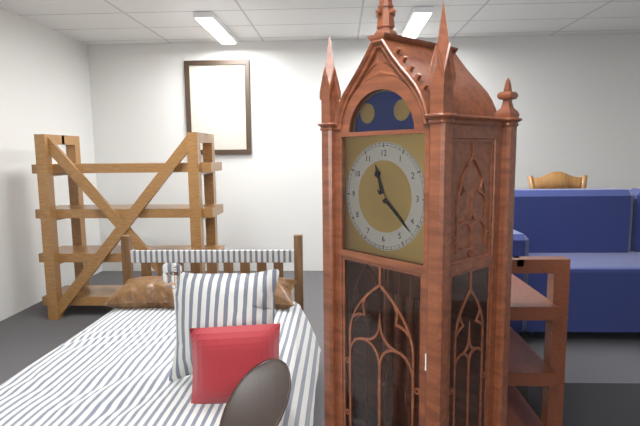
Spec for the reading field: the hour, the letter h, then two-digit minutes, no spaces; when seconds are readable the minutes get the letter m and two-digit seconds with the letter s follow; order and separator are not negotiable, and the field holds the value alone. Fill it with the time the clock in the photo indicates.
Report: 11h22
